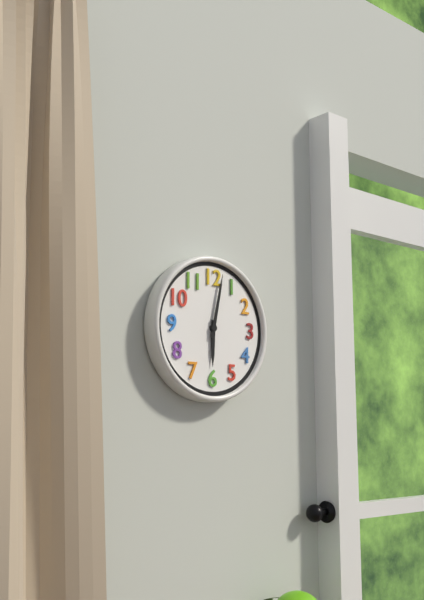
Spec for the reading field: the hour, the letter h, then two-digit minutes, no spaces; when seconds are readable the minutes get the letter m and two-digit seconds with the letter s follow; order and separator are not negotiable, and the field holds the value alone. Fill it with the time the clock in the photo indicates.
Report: 6h02
